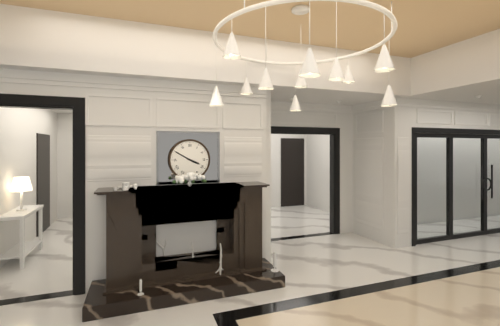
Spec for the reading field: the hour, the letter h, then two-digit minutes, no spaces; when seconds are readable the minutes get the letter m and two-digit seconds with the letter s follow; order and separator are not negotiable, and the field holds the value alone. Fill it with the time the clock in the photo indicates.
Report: 3h50
